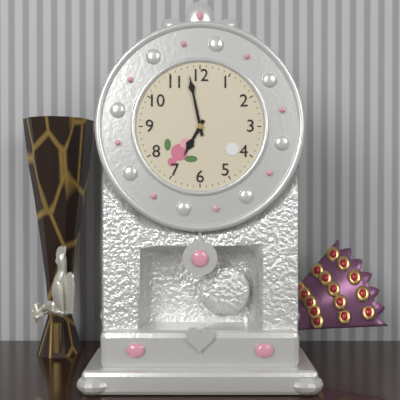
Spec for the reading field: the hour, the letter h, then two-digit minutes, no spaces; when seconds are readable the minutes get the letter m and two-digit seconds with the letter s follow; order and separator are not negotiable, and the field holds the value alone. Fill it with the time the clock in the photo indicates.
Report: 6h58
